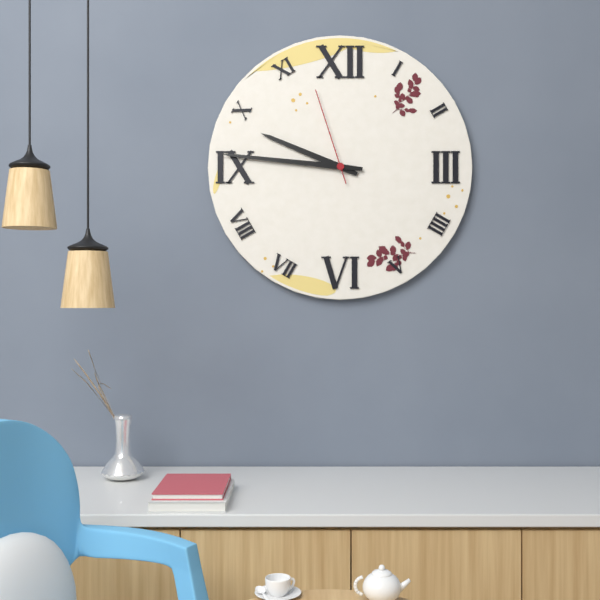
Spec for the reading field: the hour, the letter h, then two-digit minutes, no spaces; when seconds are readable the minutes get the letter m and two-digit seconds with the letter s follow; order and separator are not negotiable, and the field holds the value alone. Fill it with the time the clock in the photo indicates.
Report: 9h46m57s
